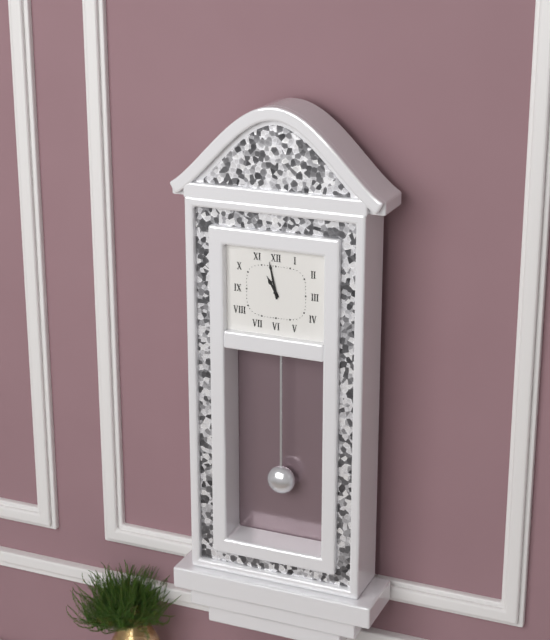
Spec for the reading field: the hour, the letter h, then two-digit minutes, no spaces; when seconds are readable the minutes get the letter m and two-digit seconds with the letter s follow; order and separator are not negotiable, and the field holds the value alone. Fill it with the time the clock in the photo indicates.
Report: 10h58
